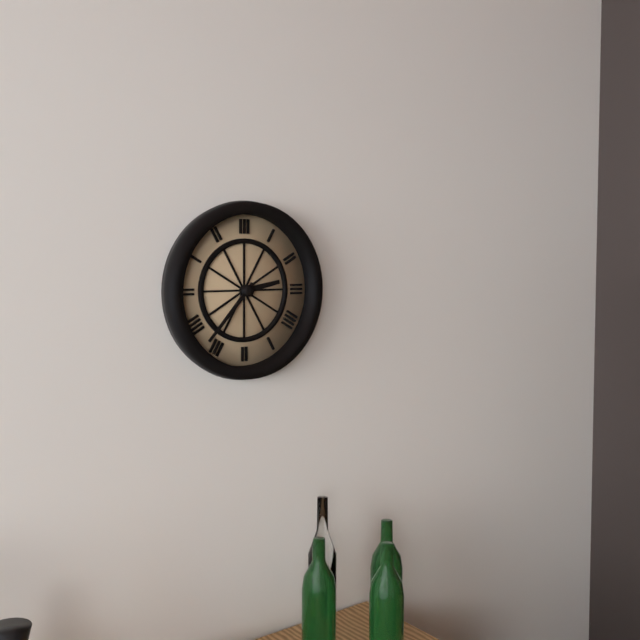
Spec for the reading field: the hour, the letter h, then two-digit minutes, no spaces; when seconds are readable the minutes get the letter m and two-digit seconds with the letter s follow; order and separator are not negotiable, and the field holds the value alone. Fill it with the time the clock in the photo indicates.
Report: 2h37
